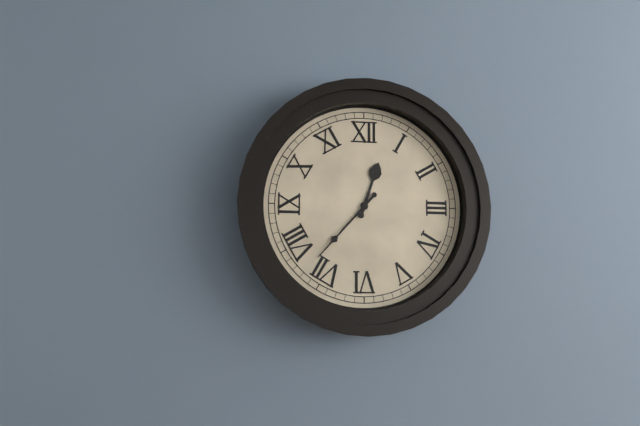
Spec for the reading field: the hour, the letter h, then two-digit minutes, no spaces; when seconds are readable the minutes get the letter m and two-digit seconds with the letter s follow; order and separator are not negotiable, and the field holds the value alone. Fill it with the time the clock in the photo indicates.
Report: 12h37
